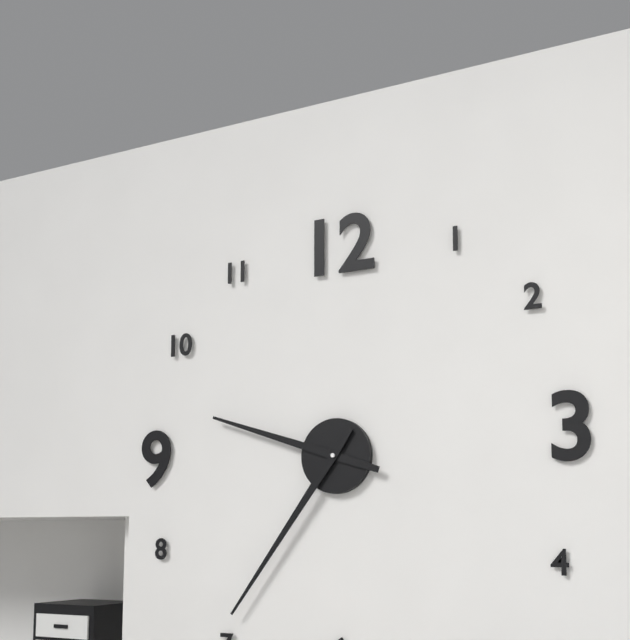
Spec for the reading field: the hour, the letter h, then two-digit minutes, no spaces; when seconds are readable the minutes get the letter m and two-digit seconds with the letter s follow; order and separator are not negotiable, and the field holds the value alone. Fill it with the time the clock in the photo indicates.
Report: 9h36
